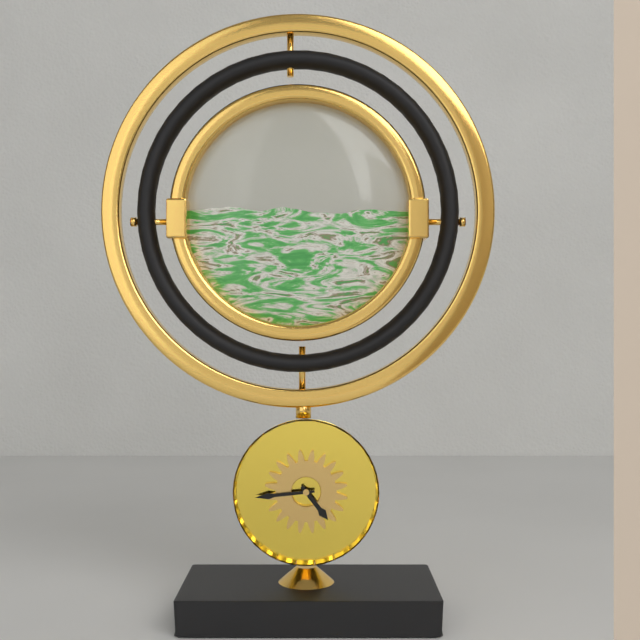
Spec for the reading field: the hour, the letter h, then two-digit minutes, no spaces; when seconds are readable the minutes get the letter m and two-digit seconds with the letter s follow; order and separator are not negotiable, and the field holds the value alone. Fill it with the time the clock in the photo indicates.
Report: 4h44
